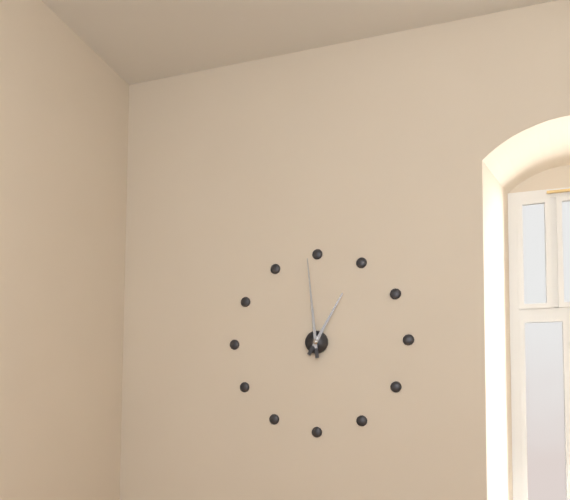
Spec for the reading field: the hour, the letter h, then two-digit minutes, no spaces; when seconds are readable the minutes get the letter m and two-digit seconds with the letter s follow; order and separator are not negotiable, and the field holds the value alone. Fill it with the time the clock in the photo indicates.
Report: 12h59
